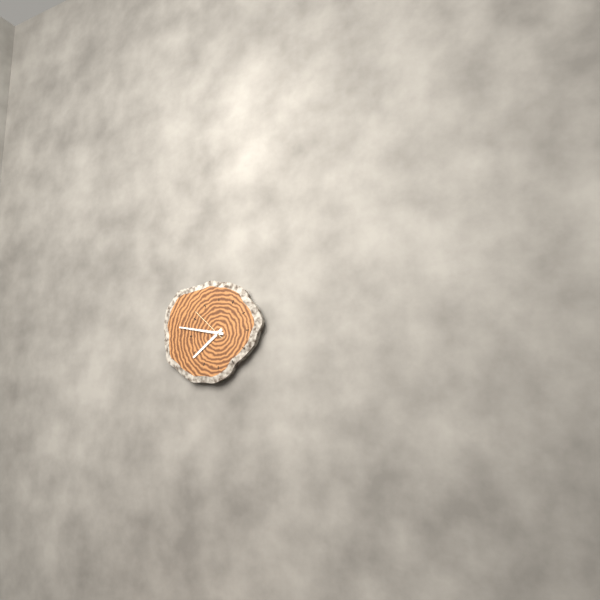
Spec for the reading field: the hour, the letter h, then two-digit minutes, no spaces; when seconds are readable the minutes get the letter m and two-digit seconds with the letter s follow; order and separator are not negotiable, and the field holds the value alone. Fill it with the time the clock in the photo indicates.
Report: 7h47
